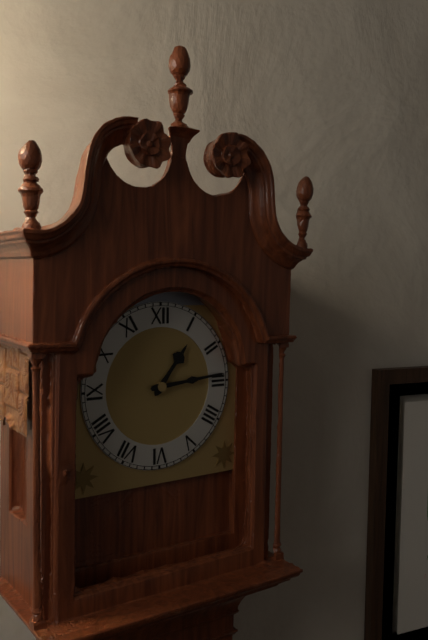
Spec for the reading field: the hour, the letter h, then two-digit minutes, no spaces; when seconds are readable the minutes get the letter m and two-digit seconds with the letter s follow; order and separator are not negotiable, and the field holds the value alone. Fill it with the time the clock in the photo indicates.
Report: 1h14
